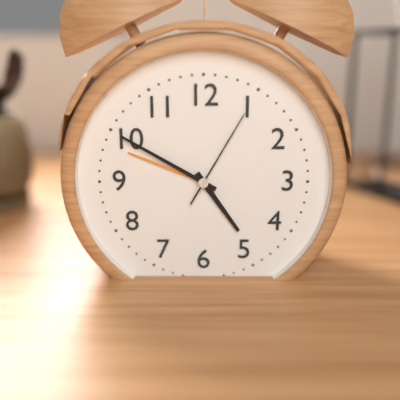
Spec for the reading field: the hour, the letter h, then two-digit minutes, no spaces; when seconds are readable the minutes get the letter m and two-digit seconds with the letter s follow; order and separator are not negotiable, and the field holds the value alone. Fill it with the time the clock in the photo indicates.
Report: 4h50m05s
